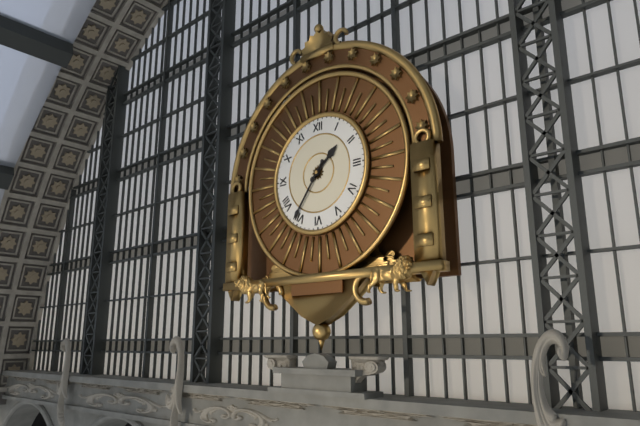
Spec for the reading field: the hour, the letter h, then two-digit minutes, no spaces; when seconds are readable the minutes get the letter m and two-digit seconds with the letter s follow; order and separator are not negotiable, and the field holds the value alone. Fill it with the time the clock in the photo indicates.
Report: 1h36
